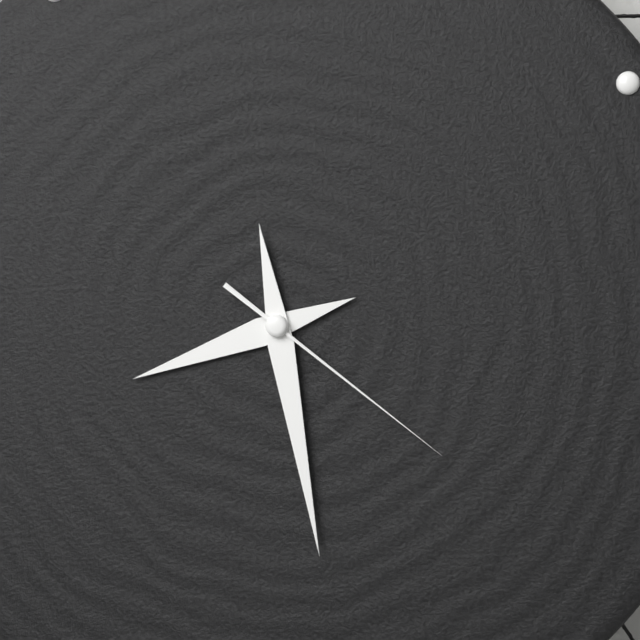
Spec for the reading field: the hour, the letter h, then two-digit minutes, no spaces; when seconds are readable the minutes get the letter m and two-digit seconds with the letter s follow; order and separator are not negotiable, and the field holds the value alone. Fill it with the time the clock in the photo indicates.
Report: 8h29m22s
